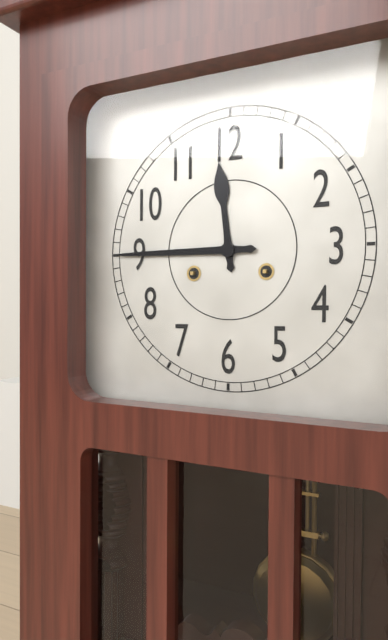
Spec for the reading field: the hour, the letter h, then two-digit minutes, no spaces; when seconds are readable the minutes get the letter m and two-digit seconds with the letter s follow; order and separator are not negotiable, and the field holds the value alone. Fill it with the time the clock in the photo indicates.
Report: 11h45
